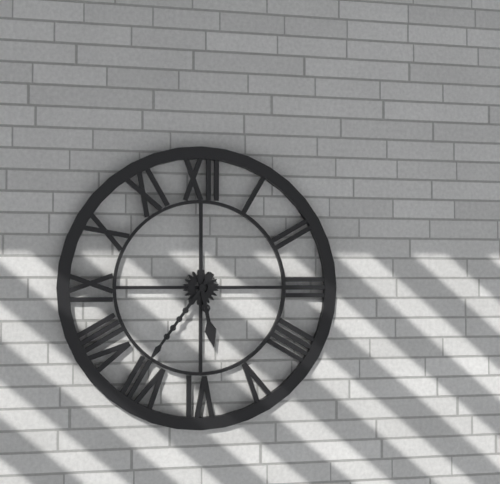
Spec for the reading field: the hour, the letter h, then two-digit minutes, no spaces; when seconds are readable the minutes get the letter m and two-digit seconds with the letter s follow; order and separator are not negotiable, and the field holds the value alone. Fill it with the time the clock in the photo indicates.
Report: 5h36
